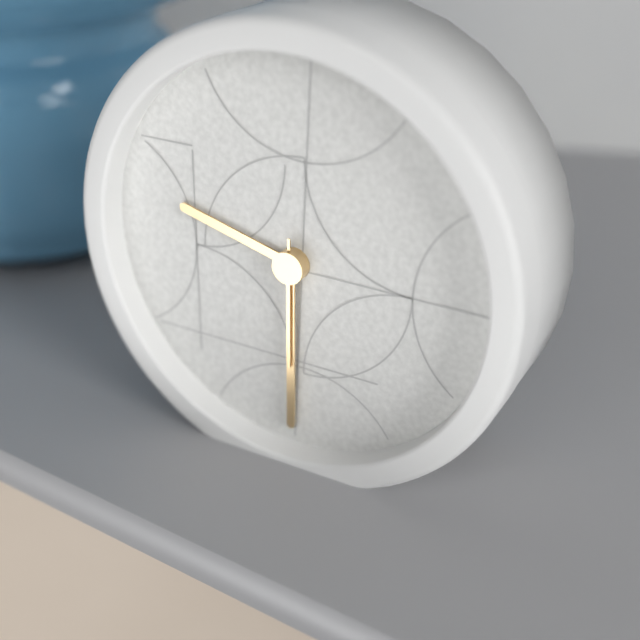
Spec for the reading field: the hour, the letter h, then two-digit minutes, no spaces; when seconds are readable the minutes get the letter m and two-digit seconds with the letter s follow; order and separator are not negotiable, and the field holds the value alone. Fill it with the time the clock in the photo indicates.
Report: 9h30m30s
